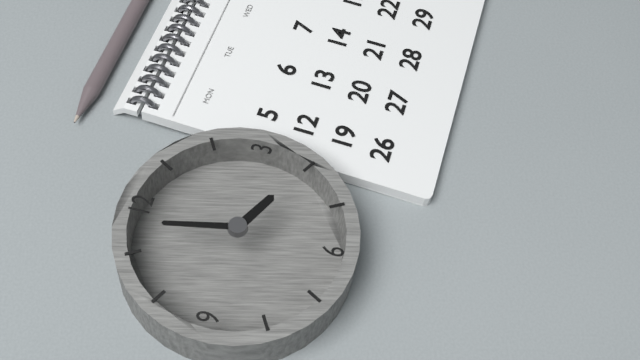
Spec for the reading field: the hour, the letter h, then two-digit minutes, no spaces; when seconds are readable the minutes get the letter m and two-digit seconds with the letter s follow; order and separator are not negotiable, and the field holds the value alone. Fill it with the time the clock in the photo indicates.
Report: 3h58
